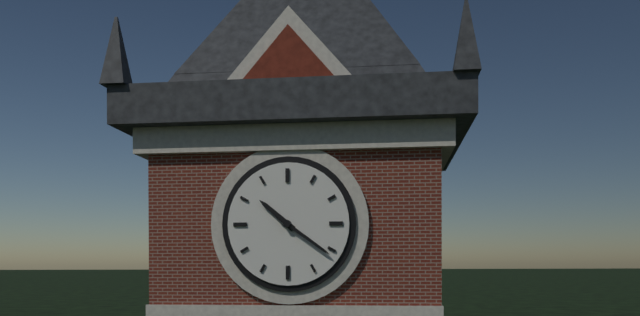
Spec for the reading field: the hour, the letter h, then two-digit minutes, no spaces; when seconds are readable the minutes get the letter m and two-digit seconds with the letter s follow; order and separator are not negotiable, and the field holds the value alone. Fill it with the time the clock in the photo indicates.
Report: 10h21
